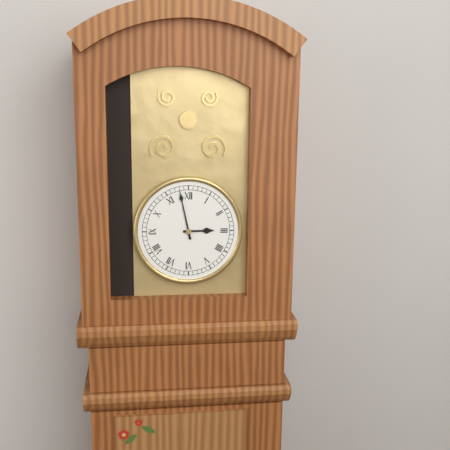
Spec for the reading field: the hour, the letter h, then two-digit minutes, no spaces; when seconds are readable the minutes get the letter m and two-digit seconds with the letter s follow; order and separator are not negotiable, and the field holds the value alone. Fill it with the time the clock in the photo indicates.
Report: 2h58
